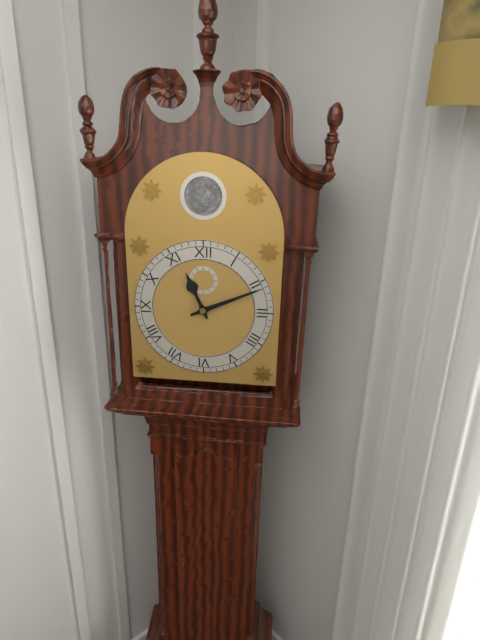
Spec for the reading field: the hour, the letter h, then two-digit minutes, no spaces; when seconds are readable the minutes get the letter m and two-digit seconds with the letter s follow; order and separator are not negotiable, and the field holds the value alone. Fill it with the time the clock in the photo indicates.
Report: 11h11
